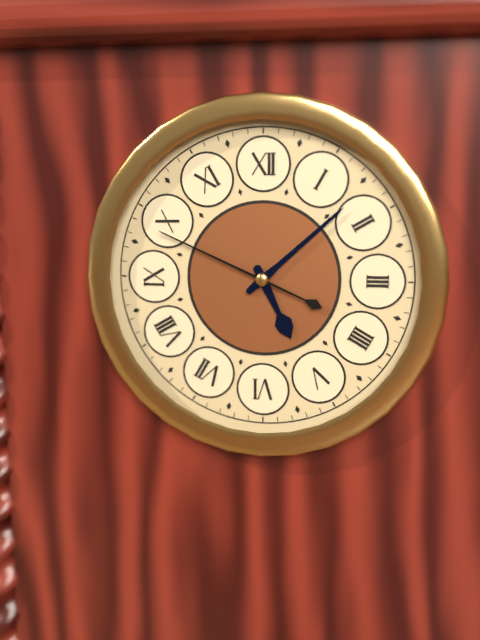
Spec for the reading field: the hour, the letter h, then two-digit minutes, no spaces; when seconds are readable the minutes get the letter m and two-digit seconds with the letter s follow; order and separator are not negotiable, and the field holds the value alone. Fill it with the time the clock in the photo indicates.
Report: 5h08m49s
